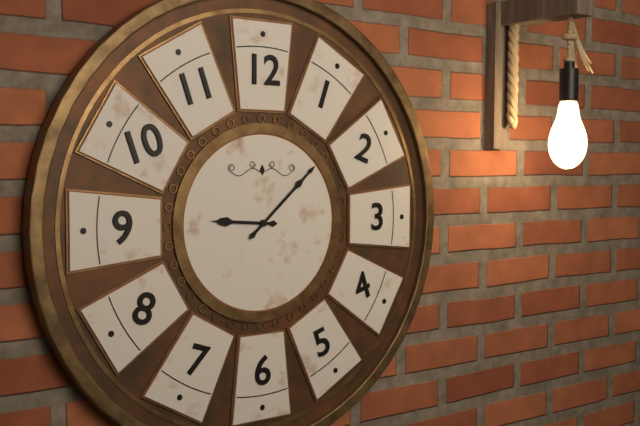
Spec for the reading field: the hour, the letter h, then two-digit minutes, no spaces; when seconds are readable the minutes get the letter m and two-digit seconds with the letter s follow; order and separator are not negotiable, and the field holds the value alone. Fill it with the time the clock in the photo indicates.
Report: 9h08
